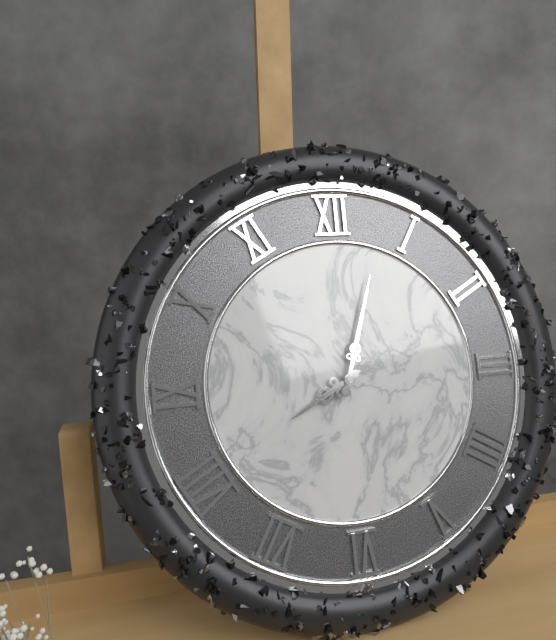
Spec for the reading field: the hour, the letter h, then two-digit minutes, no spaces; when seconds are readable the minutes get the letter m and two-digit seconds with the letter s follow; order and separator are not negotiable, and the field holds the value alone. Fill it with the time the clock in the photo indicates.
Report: 8h03
